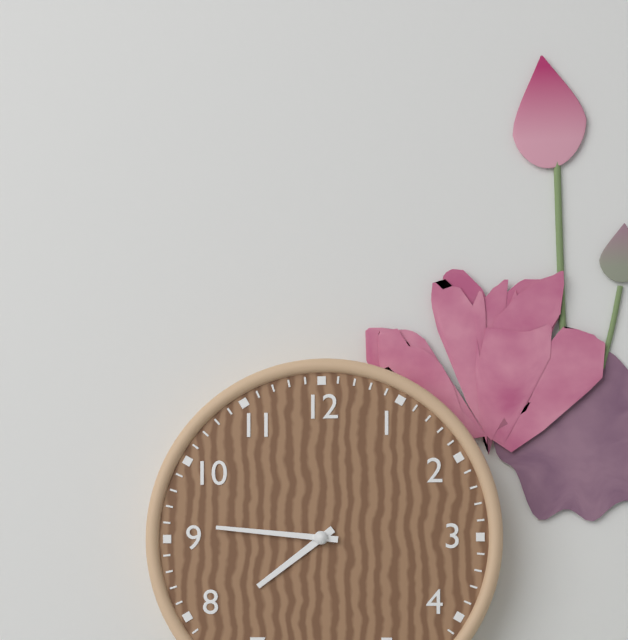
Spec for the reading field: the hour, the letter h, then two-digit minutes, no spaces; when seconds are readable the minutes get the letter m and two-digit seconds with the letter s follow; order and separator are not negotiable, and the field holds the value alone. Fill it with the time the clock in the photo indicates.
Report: 7h46
